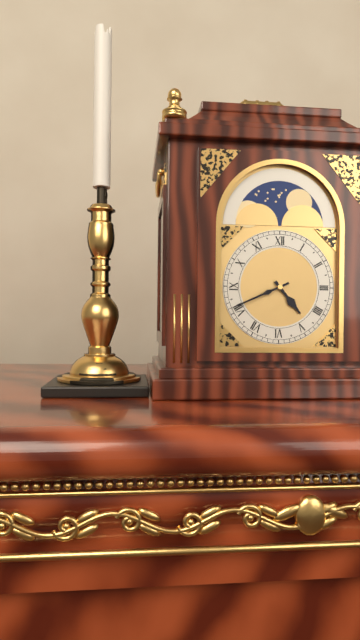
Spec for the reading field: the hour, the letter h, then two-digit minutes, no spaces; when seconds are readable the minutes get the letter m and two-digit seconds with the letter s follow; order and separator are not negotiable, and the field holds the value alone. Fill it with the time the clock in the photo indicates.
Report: 4h41
